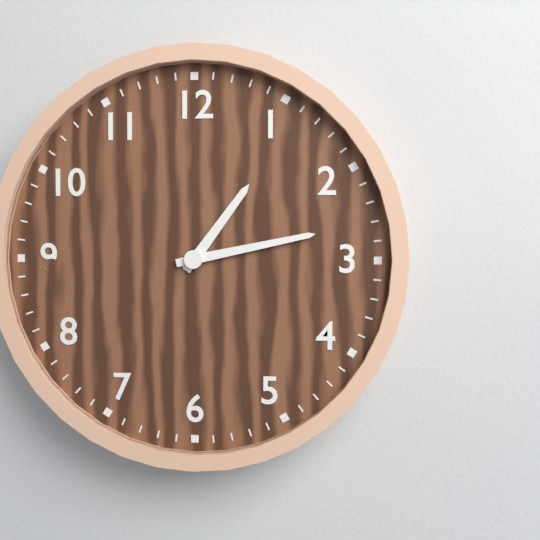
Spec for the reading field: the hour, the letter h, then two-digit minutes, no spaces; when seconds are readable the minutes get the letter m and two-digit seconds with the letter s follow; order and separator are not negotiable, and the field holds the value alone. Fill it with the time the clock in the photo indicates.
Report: 1h13
